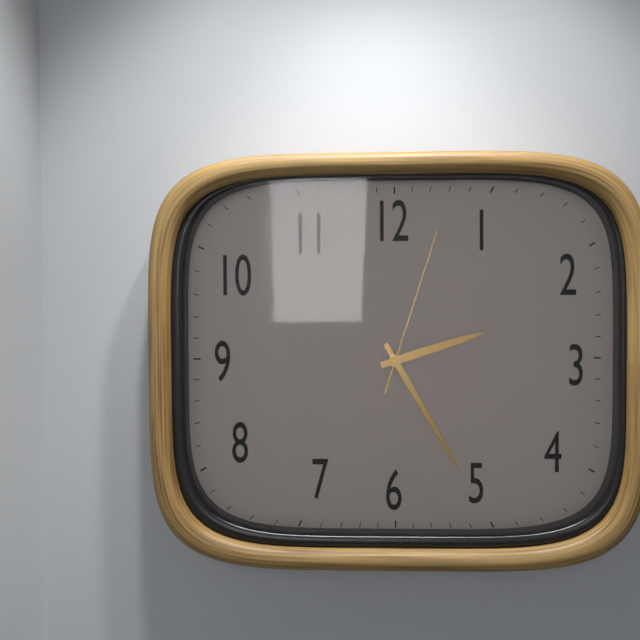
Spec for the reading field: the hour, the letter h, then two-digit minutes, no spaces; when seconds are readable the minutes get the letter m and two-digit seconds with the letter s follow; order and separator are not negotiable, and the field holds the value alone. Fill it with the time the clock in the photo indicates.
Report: 2h25m03s
